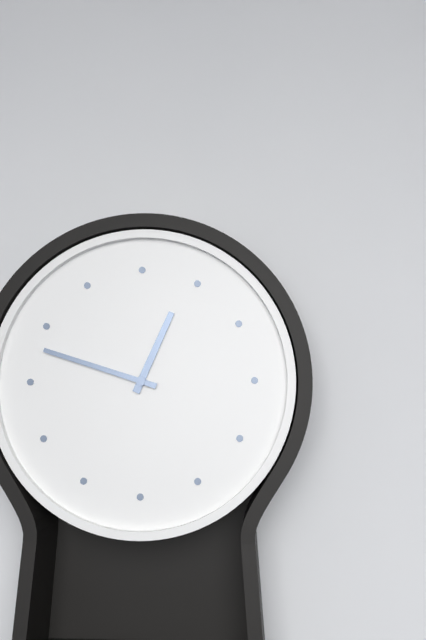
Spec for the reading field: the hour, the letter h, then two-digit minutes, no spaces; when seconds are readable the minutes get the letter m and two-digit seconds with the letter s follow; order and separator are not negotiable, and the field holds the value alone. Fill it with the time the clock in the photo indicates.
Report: 12h48
